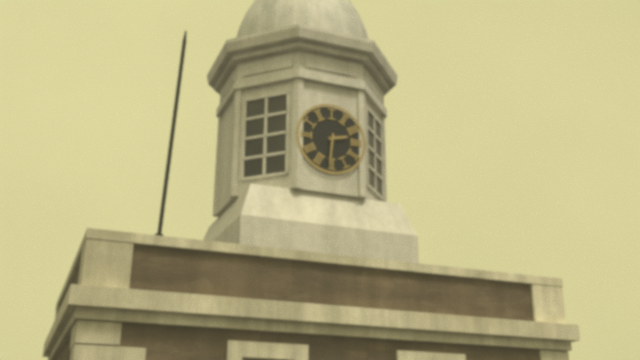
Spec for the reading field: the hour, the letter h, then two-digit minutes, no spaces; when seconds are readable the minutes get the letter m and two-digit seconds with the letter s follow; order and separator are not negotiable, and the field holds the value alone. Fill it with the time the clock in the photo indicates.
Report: 2h31
